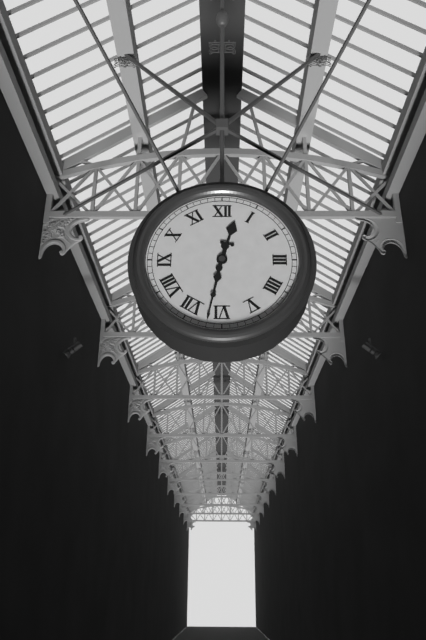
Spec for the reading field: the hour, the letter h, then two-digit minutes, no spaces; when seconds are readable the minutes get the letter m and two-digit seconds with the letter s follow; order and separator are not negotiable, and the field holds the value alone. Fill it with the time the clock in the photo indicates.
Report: 12h32
